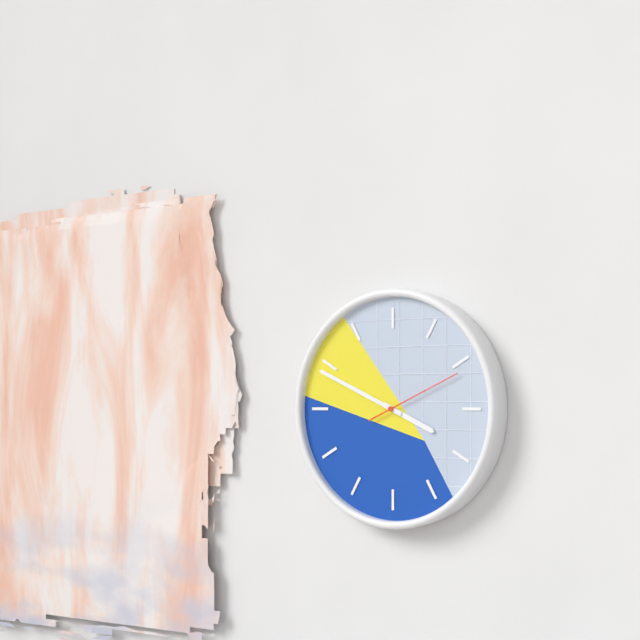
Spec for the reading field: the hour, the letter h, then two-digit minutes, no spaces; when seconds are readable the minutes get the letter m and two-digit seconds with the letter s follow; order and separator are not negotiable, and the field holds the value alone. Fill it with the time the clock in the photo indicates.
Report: 3h49m11s
